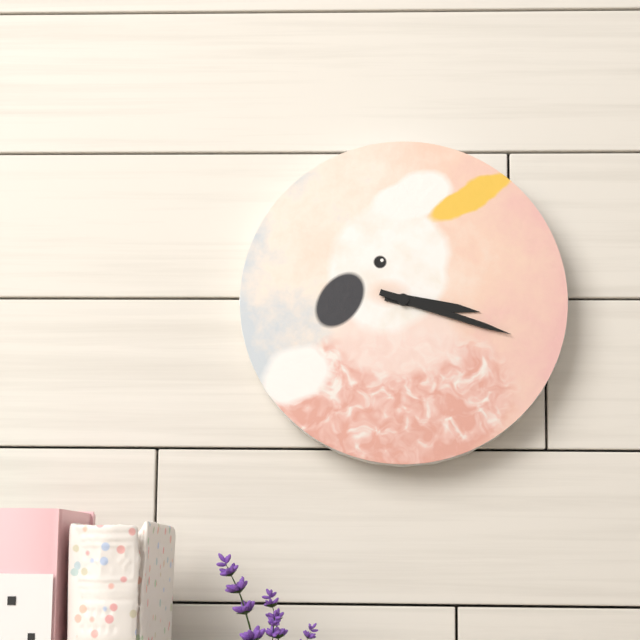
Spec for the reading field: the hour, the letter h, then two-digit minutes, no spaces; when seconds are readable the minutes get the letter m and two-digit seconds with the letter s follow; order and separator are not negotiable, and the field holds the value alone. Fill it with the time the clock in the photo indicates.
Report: 3h18
